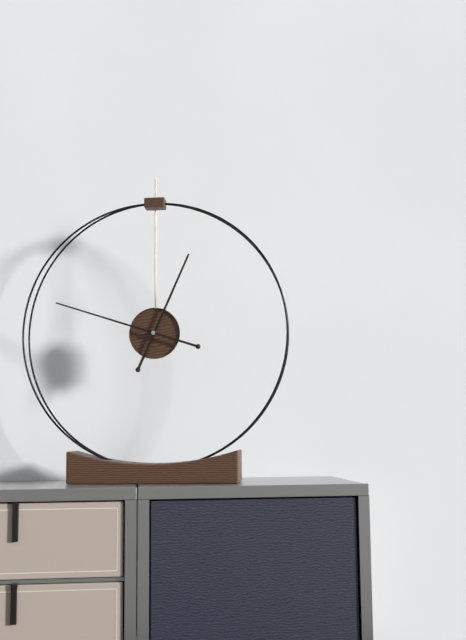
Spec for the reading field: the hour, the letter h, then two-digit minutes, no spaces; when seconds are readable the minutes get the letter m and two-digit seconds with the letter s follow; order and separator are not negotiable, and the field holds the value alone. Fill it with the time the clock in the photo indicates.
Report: 12h48
